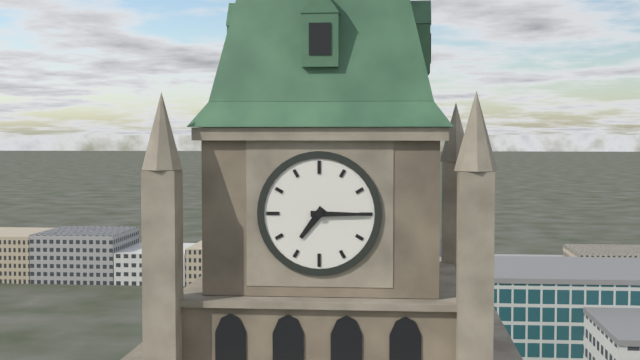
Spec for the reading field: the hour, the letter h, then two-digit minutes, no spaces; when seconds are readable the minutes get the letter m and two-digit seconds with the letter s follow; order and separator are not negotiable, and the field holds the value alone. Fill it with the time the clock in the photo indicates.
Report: 7h15
